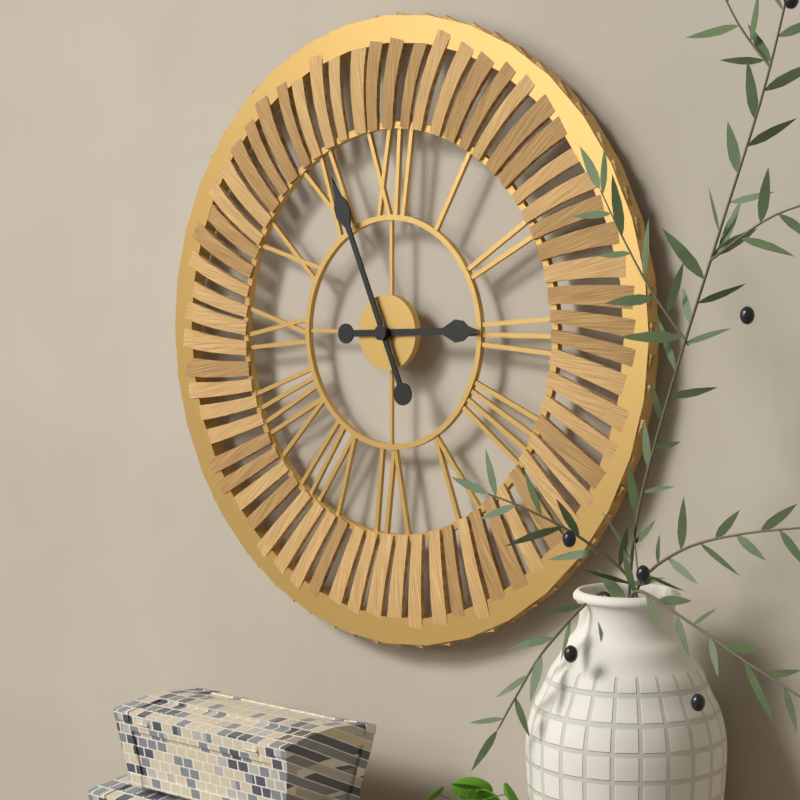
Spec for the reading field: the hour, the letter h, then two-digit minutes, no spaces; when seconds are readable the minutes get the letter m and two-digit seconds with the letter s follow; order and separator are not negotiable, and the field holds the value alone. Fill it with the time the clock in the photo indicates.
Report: 2h56
